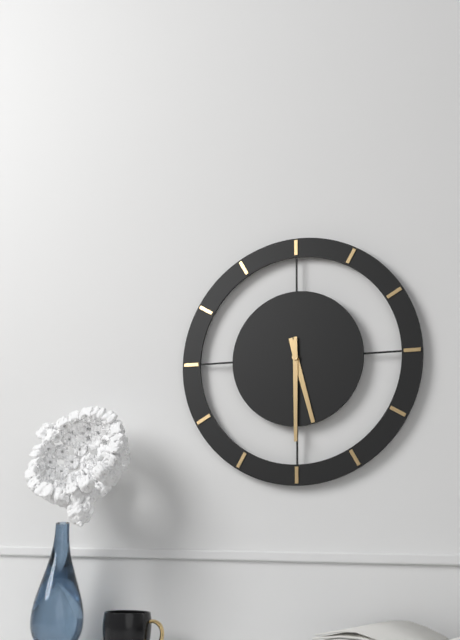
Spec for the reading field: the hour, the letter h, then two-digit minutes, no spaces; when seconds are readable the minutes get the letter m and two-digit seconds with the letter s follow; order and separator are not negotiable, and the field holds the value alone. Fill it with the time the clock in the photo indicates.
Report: 5h30
